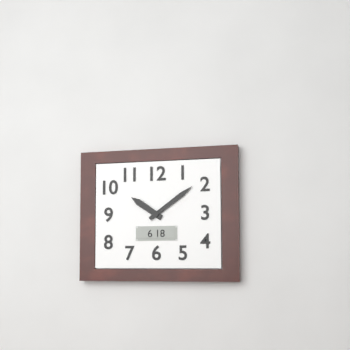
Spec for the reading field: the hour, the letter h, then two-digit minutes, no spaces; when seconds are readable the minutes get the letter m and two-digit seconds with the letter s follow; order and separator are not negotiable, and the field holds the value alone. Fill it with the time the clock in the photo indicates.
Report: 10h09
